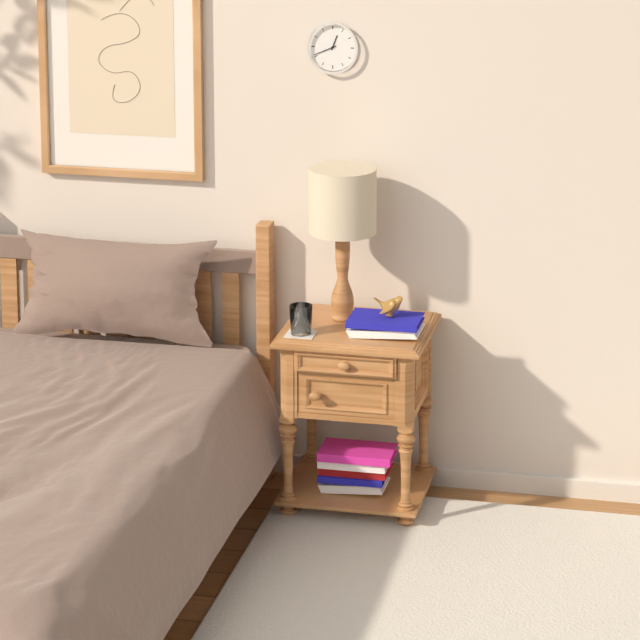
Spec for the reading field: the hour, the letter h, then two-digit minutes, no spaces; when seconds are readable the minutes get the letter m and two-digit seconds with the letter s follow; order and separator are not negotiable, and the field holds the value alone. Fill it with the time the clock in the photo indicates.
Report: 12h41
